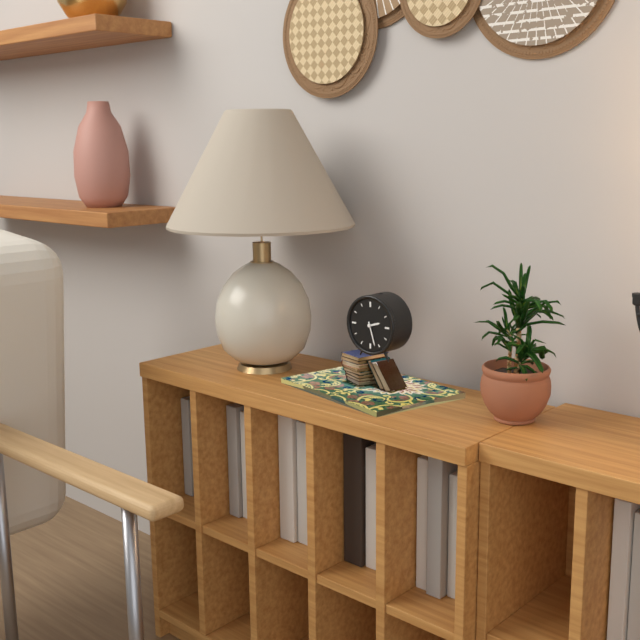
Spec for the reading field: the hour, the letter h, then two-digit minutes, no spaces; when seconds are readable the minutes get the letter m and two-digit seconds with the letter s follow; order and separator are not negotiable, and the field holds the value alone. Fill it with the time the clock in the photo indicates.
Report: 2h27
